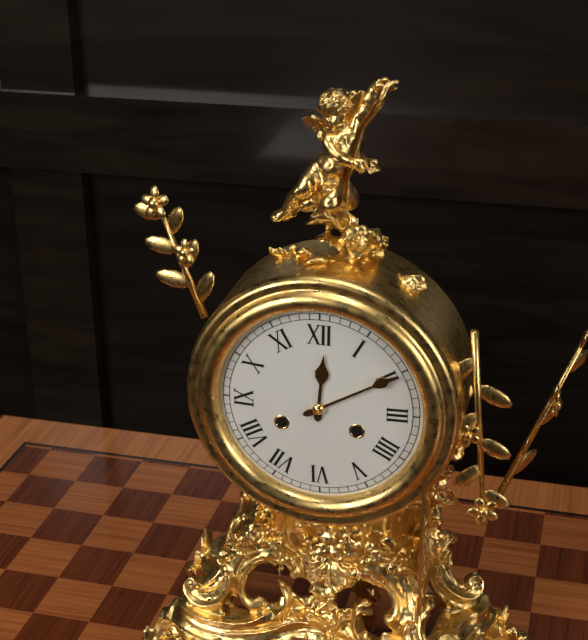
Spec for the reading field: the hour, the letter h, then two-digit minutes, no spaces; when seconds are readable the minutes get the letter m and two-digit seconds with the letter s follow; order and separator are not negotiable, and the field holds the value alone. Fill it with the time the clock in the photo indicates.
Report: 12h10
